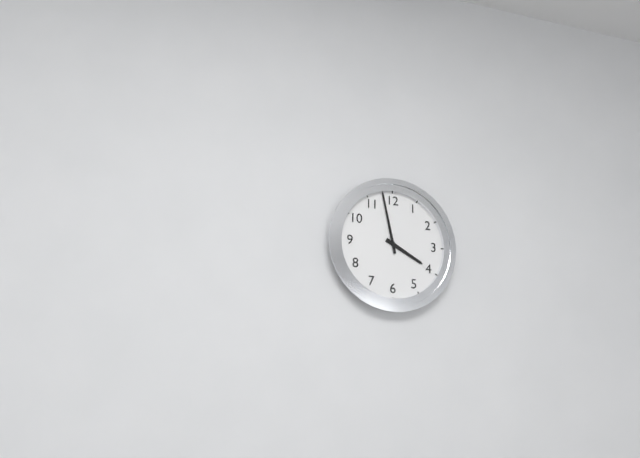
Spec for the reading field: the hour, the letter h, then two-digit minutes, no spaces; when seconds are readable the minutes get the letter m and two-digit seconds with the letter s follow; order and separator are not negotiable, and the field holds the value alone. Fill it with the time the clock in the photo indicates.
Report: 3h58
